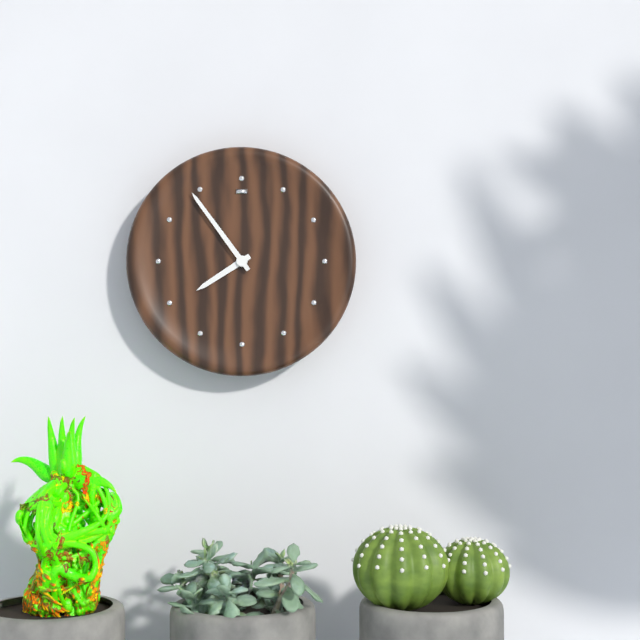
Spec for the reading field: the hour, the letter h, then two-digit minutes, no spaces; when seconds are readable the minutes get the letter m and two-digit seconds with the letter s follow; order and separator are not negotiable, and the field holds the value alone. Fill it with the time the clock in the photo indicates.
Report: 7h54
